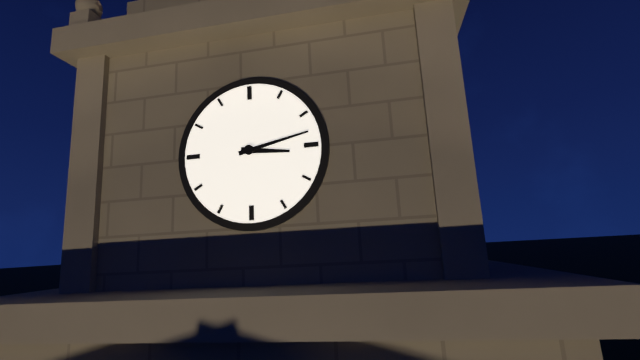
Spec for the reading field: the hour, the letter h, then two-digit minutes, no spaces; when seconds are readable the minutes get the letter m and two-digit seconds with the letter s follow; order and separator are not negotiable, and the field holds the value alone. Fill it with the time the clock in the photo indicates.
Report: 3h13
